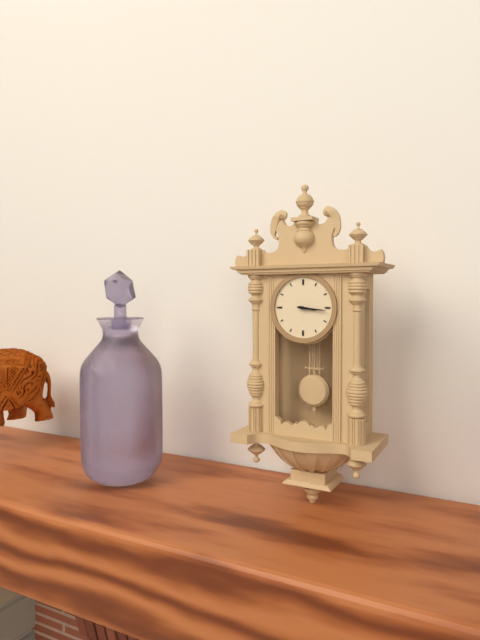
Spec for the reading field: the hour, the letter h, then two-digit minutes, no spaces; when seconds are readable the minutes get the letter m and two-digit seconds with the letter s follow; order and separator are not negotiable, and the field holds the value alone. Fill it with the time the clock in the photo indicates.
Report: 3h16
